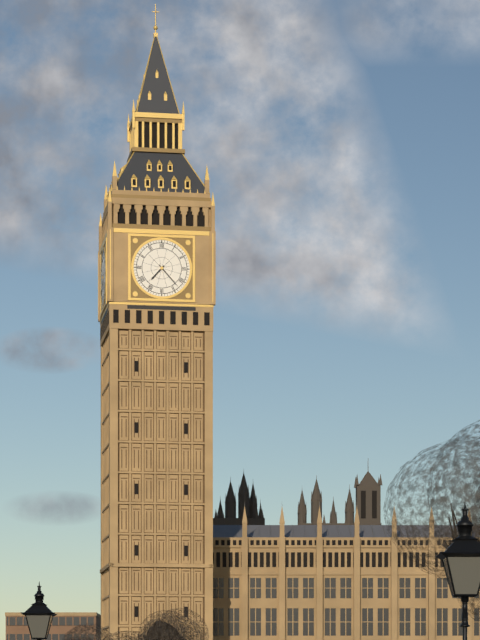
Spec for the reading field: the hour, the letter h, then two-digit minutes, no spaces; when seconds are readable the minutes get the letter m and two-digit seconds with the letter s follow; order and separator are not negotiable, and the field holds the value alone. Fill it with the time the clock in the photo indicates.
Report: 7h23
